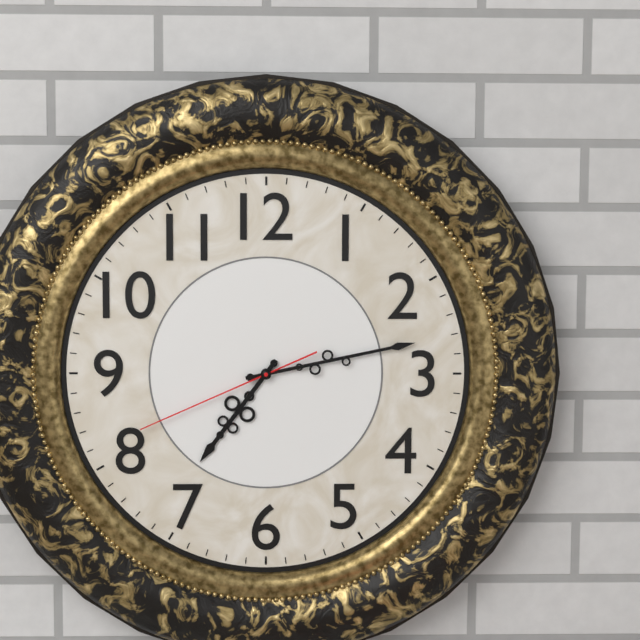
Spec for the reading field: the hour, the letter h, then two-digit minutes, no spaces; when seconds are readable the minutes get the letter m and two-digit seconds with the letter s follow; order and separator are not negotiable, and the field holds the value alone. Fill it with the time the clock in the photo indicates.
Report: 7h13m41s
